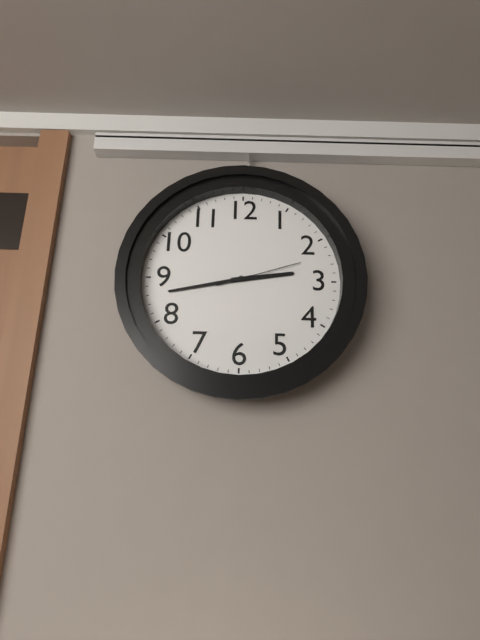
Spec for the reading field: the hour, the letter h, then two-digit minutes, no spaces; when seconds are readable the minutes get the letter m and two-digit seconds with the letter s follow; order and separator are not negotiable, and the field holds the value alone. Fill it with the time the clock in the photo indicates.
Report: 2h43m12s
